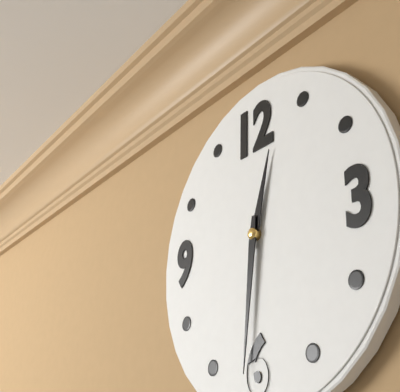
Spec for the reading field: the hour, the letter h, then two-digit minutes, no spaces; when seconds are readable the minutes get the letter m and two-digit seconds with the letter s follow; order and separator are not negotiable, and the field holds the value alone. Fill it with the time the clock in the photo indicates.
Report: 12h31
